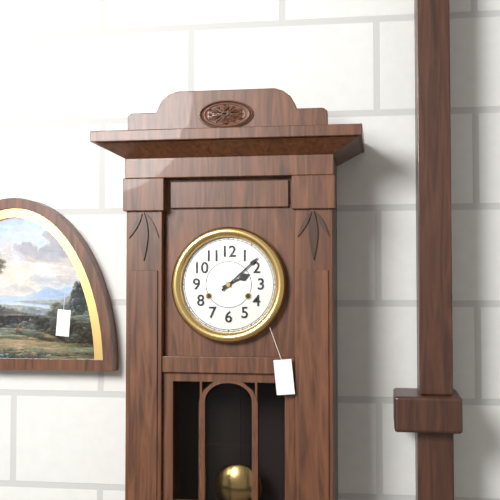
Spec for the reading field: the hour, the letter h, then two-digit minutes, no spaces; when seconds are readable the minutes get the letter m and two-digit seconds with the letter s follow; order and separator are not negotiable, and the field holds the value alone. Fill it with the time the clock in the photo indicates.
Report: 2h08
